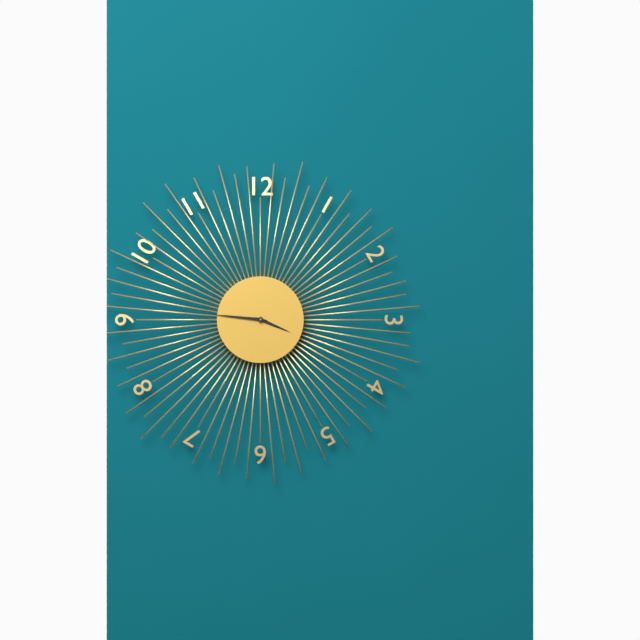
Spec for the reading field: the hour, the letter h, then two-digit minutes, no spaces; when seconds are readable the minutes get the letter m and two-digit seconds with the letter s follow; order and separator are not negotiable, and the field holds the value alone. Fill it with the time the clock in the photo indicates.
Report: 3h46
